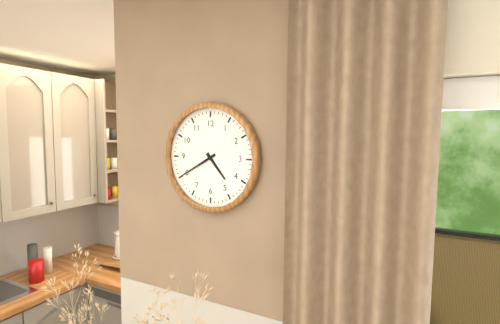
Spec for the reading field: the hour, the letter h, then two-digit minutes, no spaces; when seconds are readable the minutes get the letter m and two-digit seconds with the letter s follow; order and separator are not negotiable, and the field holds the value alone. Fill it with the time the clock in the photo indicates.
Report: 4h40
